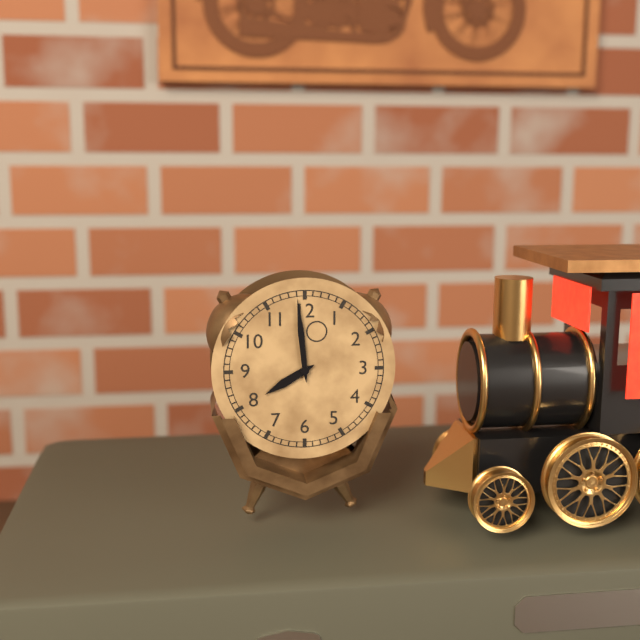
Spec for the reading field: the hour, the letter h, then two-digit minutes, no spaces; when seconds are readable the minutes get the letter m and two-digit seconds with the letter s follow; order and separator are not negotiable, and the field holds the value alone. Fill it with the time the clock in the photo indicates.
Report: 7h59
